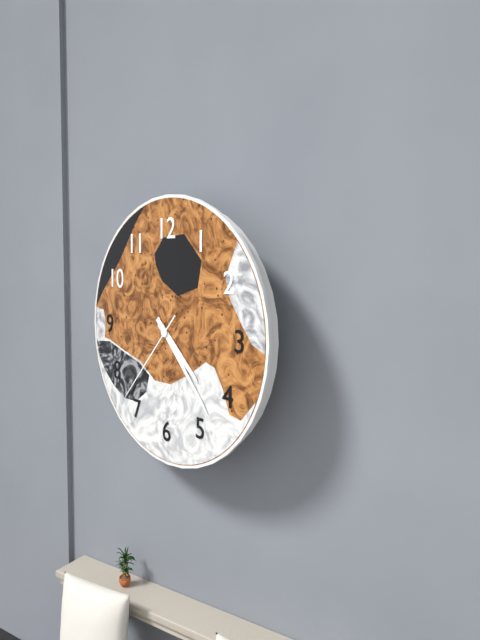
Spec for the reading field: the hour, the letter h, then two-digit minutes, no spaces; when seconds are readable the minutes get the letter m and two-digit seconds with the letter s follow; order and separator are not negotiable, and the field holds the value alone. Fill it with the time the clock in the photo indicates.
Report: 4h23m37s
